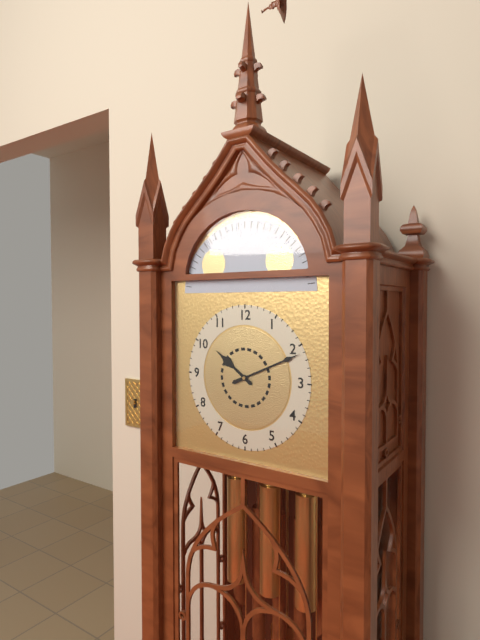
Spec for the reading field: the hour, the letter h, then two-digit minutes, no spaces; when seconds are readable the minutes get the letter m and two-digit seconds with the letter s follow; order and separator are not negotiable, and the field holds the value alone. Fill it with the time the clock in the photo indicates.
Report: 10h11
